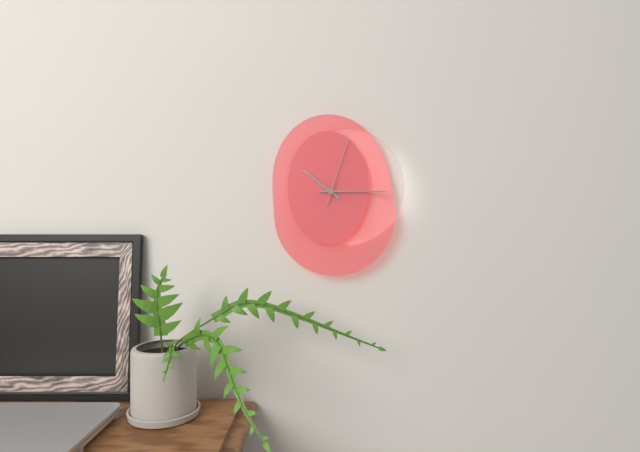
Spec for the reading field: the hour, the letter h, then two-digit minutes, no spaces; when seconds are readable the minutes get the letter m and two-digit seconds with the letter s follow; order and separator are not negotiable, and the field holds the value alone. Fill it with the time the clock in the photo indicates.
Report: 10h15m03s
